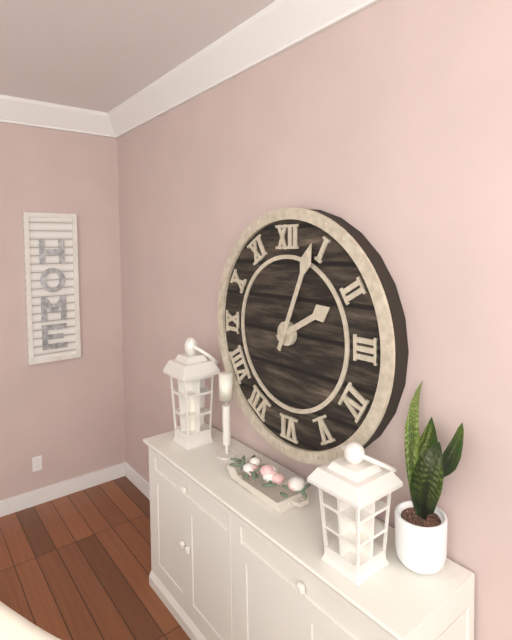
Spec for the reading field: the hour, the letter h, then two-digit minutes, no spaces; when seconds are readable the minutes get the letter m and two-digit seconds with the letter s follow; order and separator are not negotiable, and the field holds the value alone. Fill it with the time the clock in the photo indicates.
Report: 2h04
